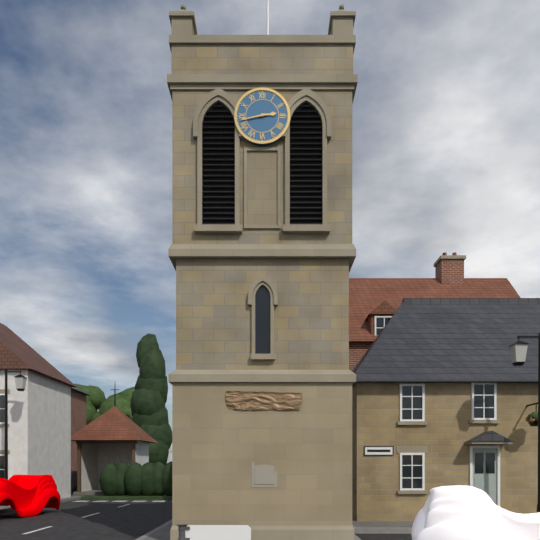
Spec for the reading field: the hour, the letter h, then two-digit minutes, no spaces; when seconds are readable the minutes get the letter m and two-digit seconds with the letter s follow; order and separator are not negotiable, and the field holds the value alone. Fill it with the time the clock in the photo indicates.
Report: 2h43
